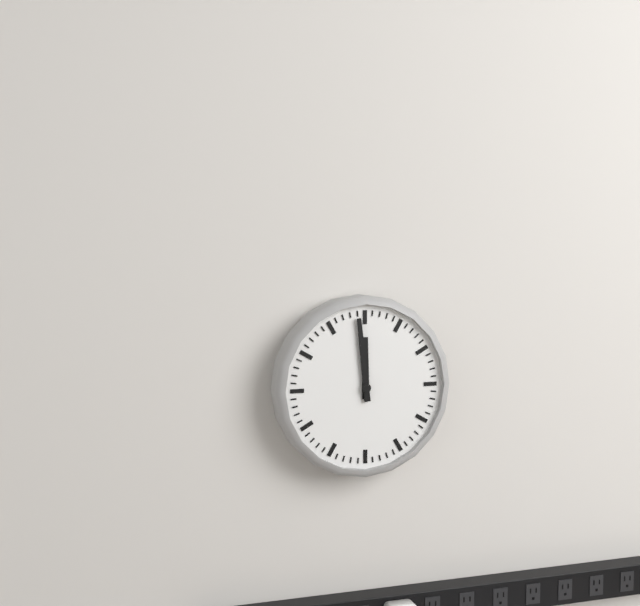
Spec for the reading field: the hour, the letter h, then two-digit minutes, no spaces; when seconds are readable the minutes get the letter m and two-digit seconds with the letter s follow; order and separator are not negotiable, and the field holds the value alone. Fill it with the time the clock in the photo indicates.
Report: 11h59
